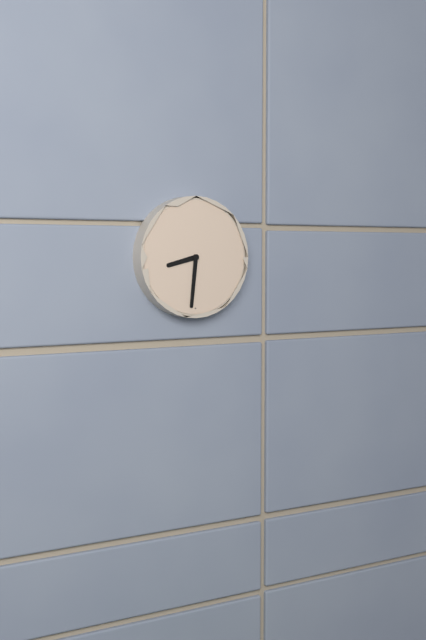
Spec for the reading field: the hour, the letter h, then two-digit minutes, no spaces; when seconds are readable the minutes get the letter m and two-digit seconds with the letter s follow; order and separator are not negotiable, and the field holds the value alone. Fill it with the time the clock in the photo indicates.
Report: 8h31
